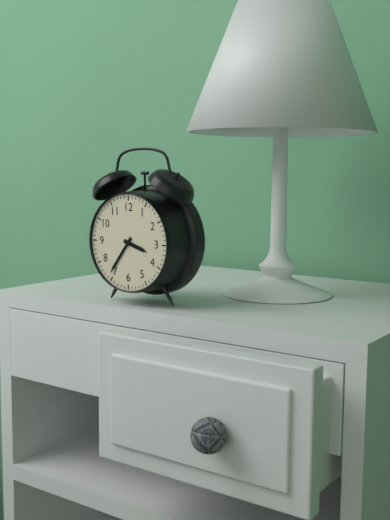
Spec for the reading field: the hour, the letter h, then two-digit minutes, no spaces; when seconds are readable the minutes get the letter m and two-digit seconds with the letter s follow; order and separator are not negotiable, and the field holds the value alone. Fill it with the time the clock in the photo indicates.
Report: 3h36
